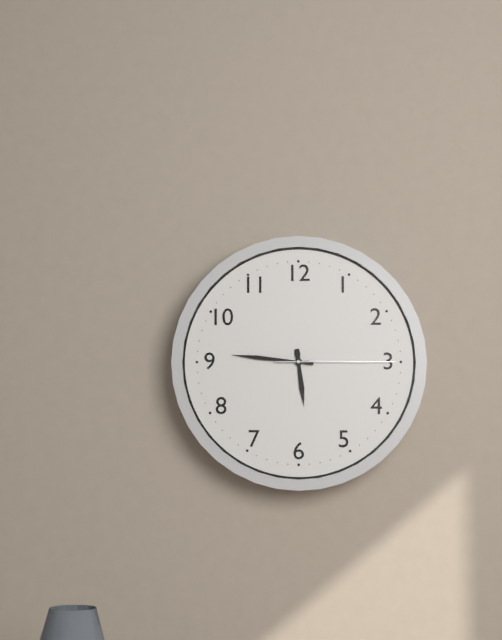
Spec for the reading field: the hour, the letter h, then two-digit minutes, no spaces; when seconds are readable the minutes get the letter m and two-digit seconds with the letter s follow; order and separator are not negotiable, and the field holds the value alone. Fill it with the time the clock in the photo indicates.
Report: 5h46m15s
